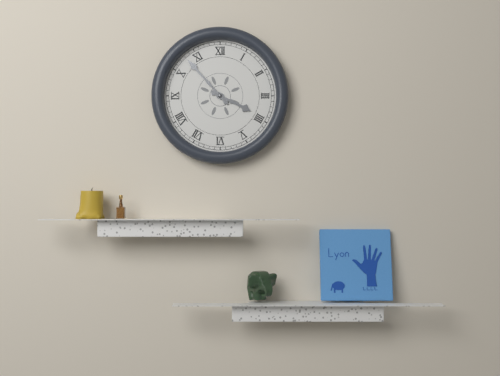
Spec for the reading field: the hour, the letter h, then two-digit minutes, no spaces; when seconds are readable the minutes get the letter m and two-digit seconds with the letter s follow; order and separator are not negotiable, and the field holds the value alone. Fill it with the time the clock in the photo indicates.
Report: 3h53
